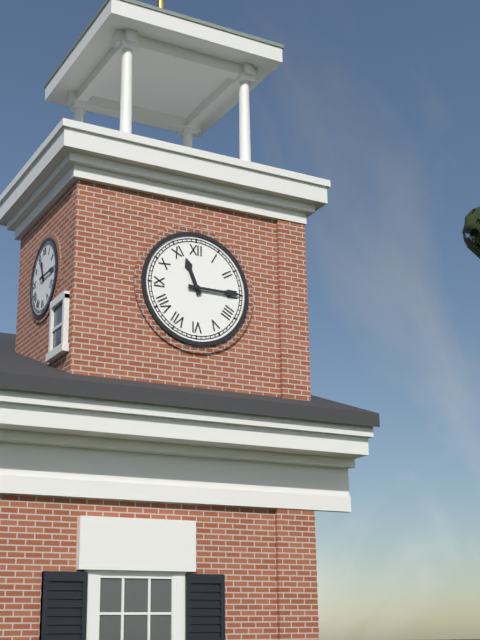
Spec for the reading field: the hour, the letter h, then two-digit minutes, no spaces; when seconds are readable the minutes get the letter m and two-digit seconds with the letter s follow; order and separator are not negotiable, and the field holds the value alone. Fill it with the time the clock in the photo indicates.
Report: 11h15
